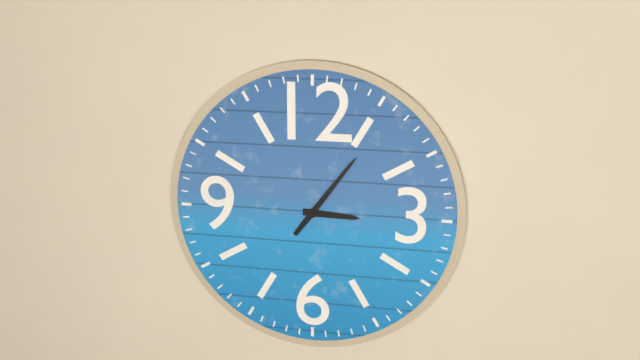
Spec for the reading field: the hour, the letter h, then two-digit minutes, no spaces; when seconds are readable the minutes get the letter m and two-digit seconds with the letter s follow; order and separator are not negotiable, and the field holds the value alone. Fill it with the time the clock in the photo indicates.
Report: 3h06
